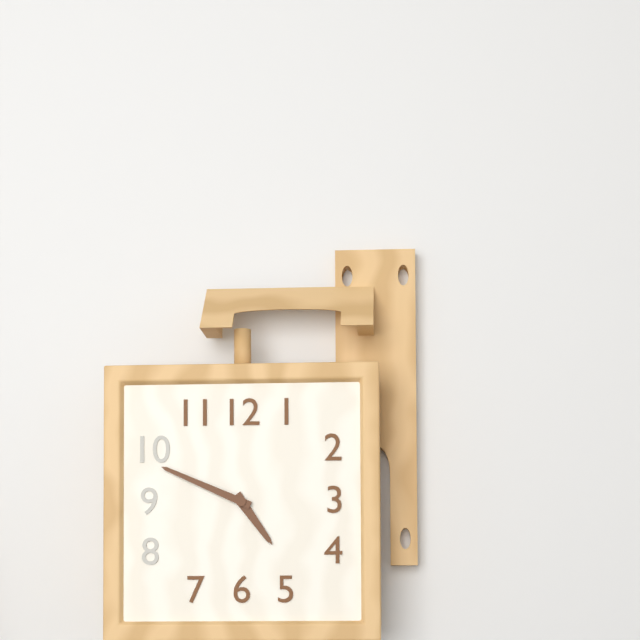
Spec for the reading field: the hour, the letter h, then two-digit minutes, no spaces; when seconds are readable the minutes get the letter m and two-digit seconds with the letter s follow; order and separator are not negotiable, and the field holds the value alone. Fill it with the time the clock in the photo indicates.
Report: 4h49
